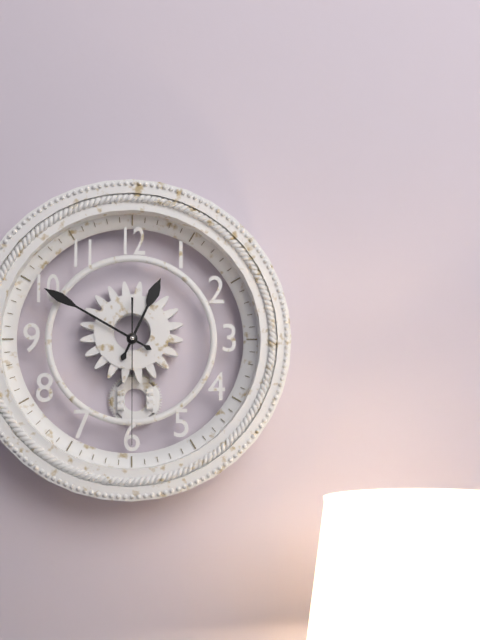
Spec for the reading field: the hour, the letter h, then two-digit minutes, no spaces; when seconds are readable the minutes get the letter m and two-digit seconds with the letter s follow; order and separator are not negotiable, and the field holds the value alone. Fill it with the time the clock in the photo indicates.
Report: 12h50m30s
